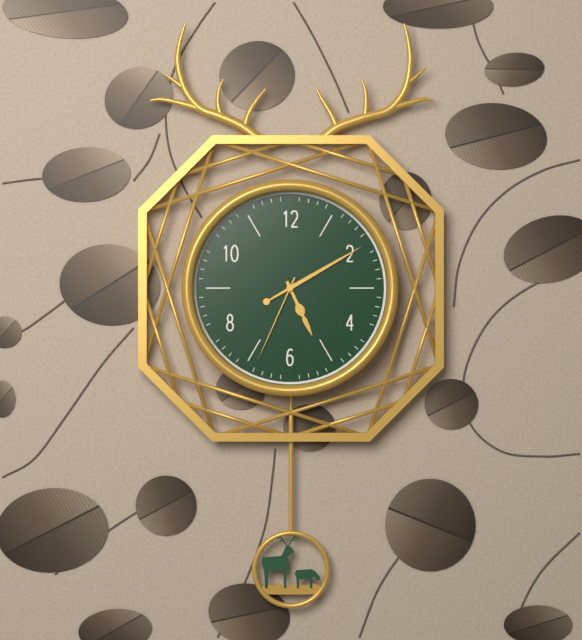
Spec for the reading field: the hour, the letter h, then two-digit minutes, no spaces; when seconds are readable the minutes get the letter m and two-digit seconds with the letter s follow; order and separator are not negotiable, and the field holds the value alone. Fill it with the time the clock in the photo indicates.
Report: 5h10m34s
